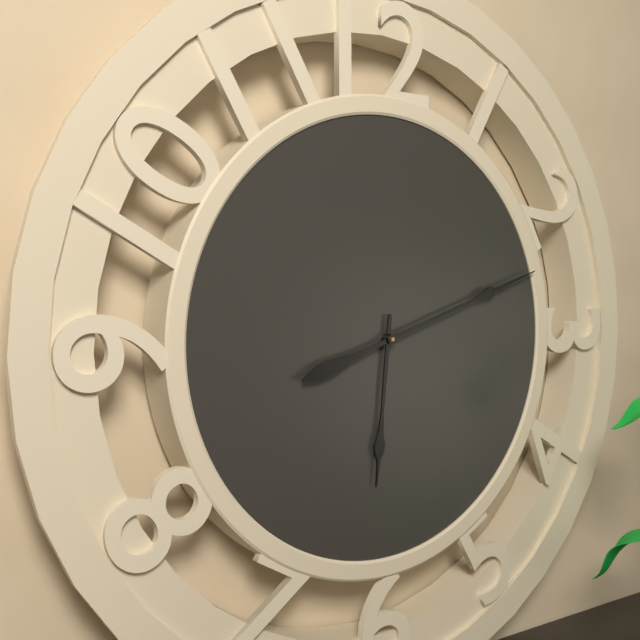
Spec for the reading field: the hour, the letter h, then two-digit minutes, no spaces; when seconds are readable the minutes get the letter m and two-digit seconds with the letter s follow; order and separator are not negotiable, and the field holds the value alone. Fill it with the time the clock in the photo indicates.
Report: 6h12
